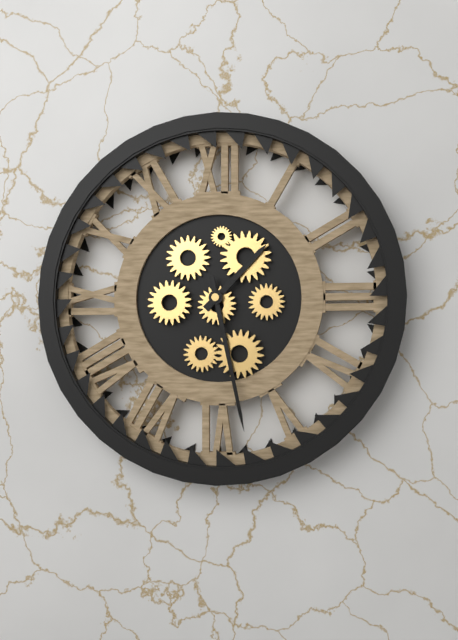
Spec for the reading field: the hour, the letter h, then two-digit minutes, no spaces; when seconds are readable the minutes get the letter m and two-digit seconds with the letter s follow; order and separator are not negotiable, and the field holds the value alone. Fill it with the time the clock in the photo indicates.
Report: 1h28
